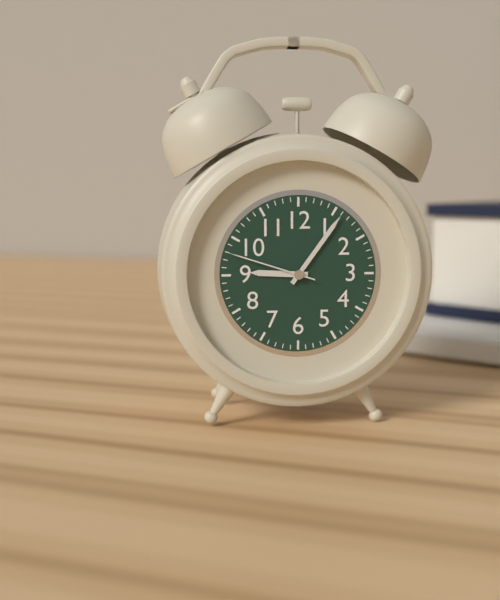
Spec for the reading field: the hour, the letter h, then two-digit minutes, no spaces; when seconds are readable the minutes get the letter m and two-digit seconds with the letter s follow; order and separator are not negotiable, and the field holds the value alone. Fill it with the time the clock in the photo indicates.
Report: 9h06m48s
